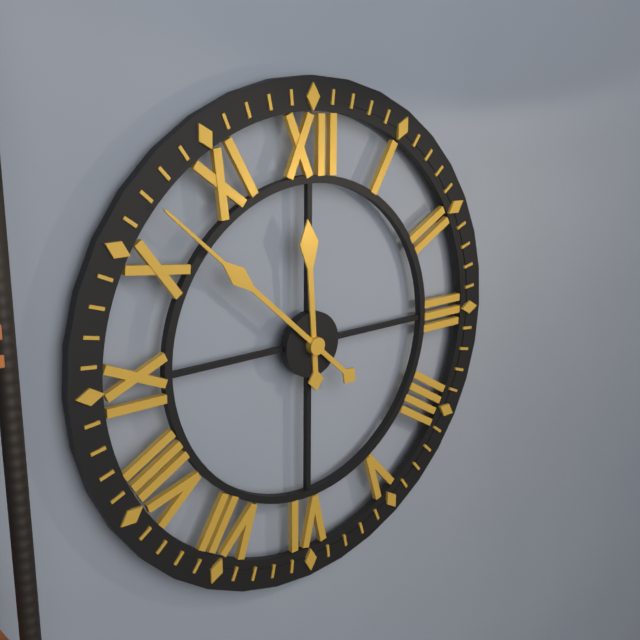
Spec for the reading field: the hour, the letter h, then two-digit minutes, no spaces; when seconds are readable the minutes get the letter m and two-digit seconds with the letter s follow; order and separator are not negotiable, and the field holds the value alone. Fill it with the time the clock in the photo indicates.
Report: 11h52
